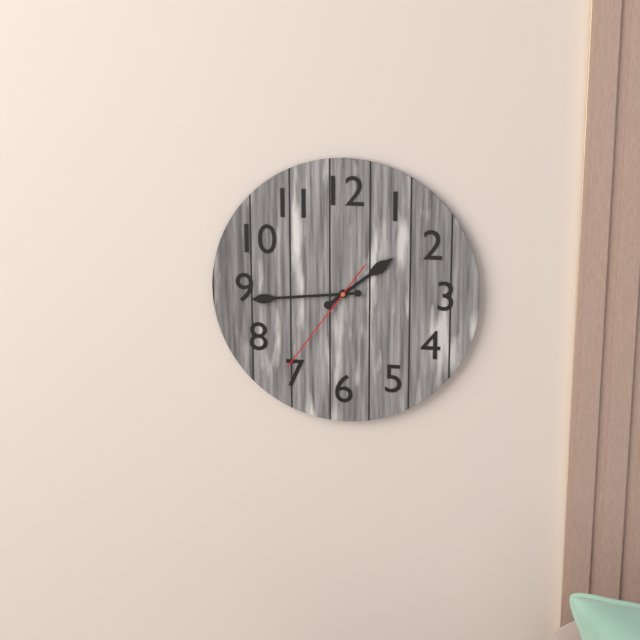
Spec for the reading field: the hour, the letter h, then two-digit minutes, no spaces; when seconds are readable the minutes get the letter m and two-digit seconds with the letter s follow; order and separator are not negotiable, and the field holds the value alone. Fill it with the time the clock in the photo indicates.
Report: 1h44m36s
